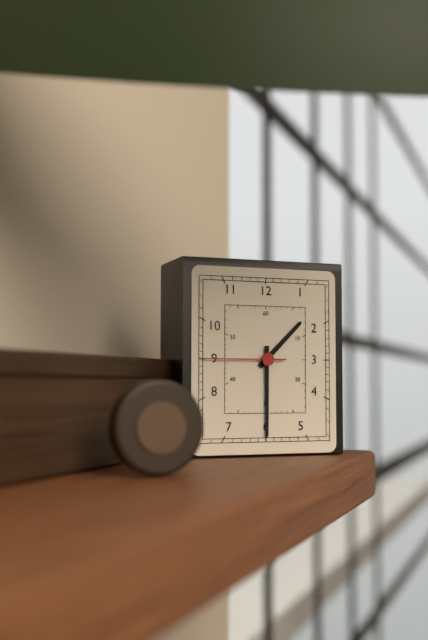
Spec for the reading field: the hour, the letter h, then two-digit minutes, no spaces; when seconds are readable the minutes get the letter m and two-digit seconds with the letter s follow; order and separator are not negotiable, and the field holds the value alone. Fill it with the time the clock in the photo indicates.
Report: 1h30m45s
